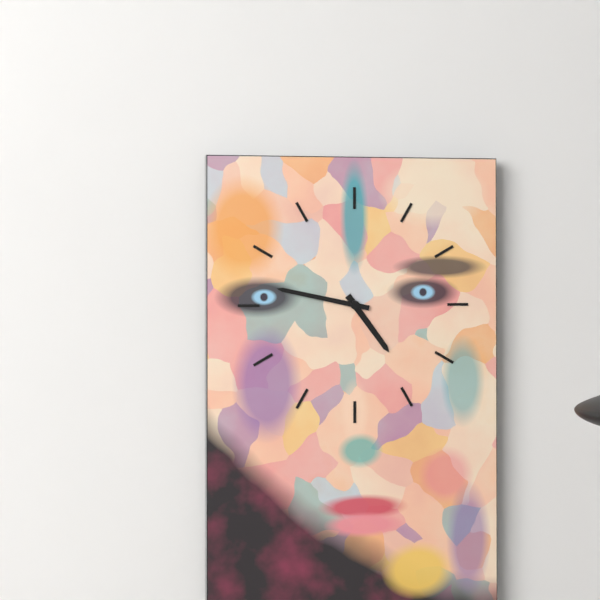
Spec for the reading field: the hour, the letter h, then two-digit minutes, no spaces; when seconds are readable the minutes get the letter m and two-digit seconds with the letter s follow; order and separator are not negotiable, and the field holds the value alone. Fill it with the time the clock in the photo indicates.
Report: 4h47
